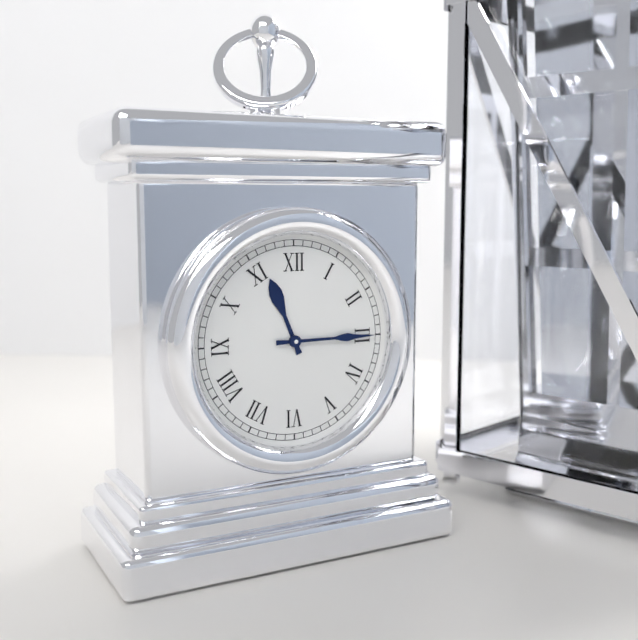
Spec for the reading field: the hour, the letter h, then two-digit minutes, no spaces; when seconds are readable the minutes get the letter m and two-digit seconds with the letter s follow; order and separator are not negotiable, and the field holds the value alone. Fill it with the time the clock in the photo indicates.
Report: 11h15
